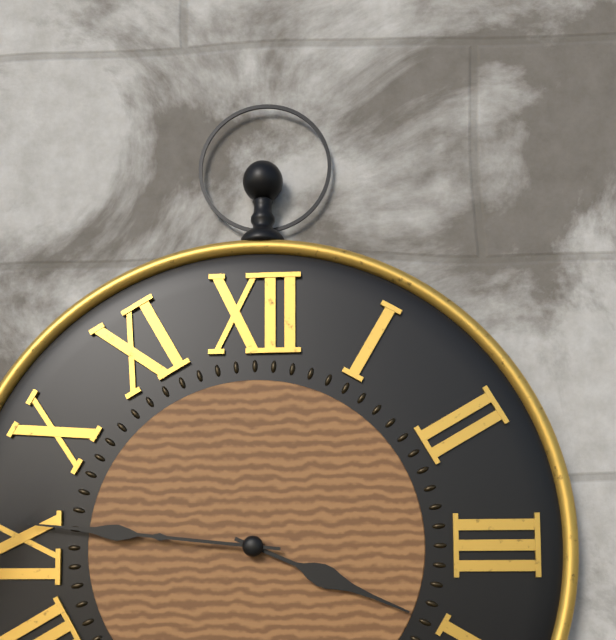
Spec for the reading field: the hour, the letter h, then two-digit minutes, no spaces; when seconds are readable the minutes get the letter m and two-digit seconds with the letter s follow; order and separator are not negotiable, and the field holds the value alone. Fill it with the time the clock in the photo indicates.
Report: 3h46
